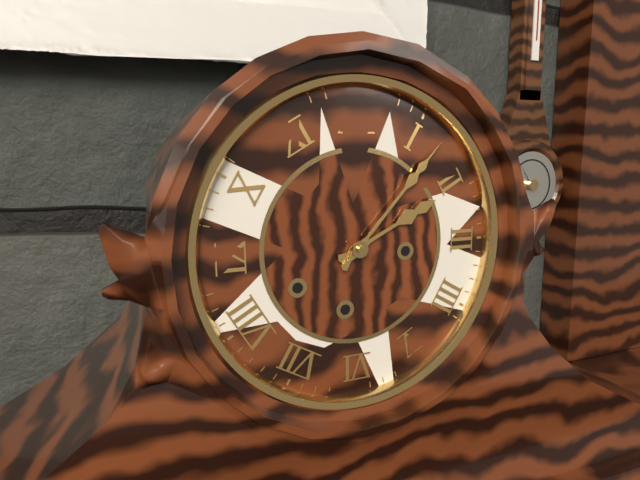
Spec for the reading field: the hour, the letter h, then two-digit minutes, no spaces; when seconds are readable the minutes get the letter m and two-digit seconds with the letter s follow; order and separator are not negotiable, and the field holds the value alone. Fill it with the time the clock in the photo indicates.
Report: 2h07
